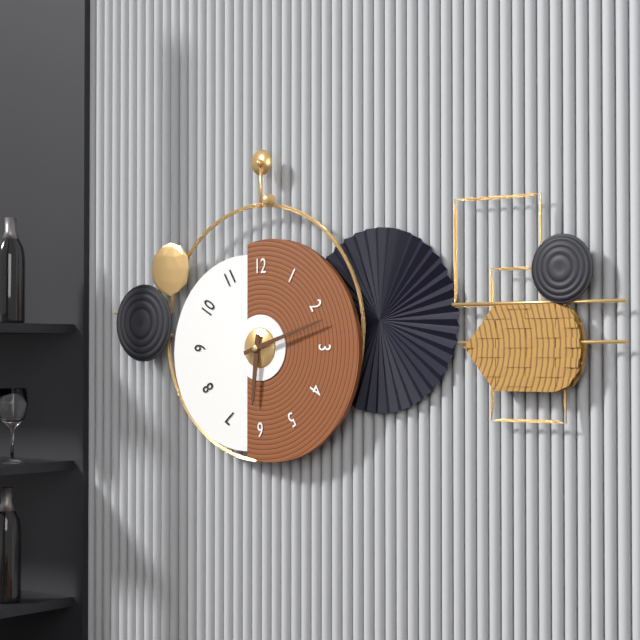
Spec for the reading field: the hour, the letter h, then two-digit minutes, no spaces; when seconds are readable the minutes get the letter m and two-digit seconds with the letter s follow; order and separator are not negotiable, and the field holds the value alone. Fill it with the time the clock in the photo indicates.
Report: 6h12
